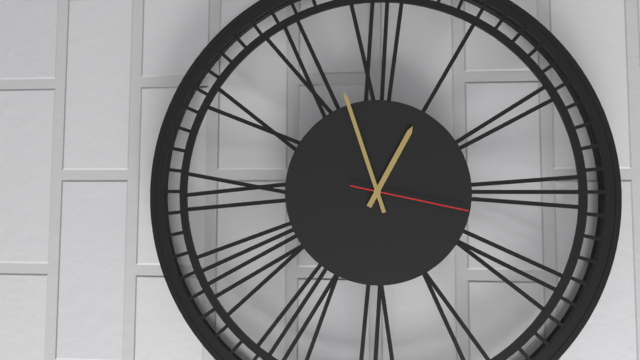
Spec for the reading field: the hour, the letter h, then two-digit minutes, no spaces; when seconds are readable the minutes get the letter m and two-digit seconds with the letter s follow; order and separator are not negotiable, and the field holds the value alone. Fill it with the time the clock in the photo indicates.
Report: 12h57m17s
